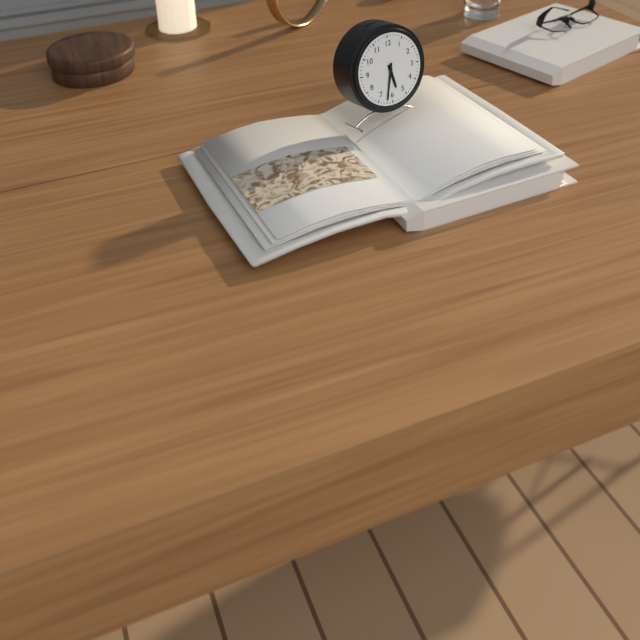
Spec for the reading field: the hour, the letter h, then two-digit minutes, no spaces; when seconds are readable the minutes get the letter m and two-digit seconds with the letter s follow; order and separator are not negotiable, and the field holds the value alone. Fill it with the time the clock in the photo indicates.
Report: 5h32
